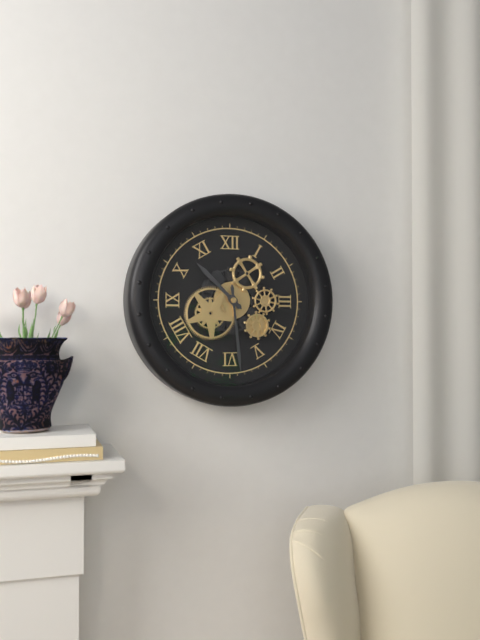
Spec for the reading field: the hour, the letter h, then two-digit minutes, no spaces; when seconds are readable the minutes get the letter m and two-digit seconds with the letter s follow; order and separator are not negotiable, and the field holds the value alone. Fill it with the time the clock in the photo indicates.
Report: 10h29
